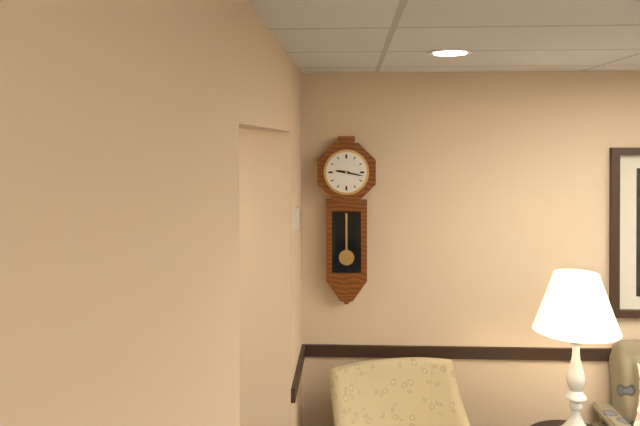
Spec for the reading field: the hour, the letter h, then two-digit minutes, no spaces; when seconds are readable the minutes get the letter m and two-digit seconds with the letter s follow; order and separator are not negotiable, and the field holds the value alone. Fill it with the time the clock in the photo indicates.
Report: 9h17
